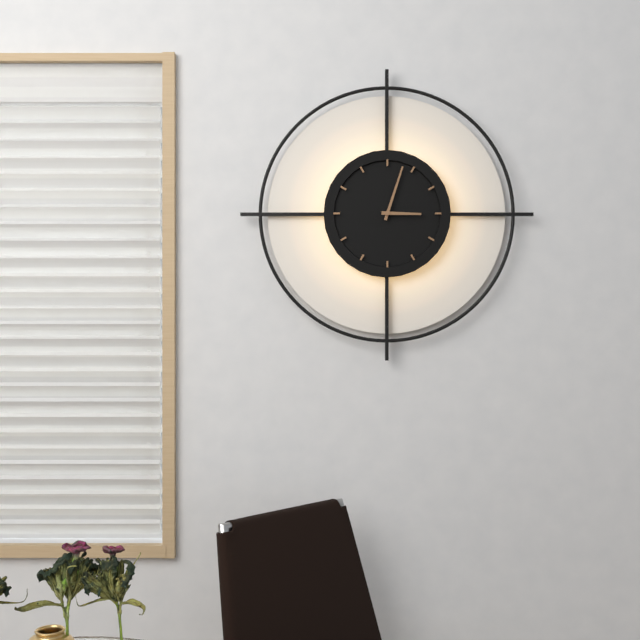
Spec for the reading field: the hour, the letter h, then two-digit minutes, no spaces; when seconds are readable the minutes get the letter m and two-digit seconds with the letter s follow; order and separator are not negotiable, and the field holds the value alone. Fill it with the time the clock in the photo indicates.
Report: 3h03
